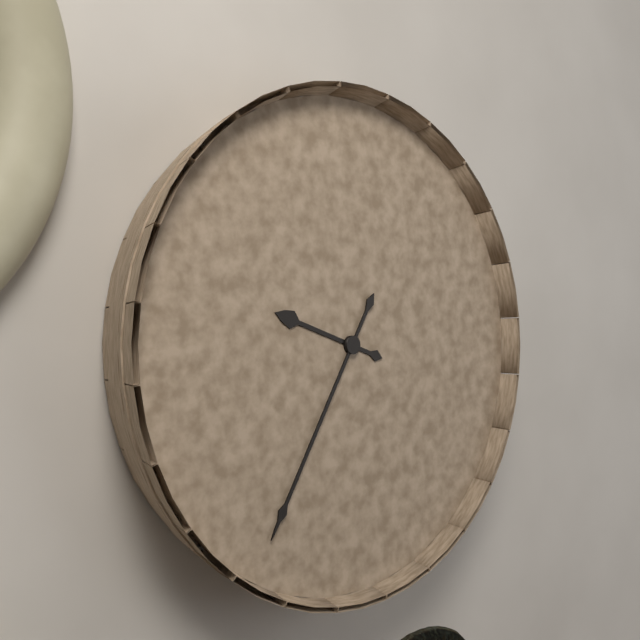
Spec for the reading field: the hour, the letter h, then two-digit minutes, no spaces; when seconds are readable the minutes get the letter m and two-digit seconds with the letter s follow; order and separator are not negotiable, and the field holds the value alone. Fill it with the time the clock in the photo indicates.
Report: 9h35
